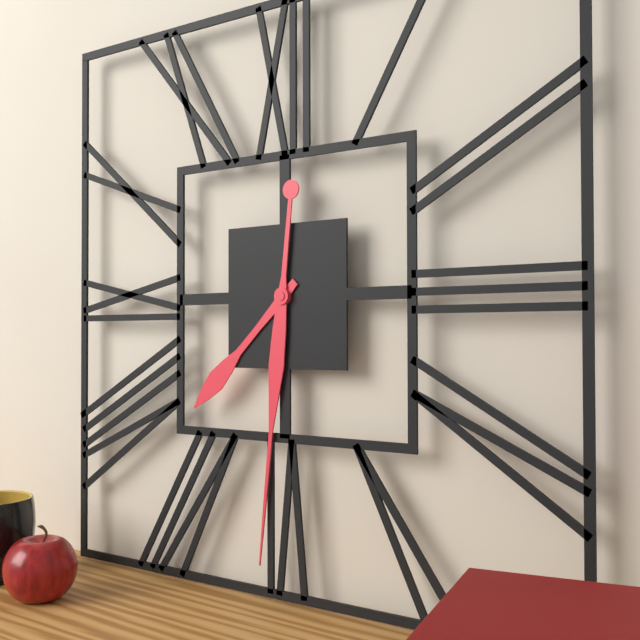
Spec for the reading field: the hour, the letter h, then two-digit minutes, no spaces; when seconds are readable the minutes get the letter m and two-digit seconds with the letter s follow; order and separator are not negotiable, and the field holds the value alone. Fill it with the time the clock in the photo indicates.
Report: 7h31
